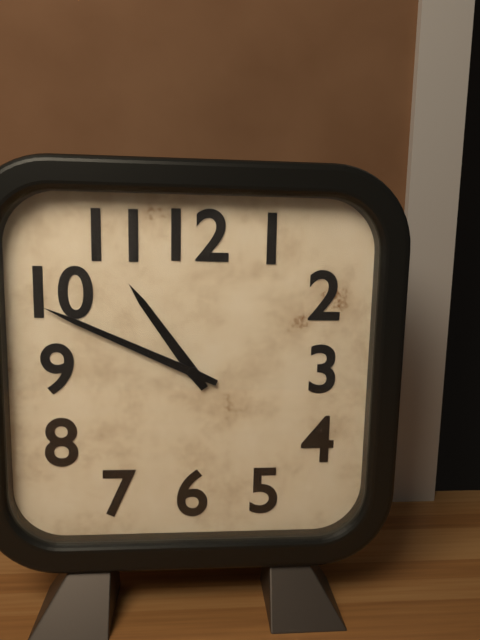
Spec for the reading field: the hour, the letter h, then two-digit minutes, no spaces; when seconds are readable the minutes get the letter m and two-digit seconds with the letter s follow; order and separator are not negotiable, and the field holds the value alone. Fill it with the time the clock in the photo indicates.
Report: 10h49
